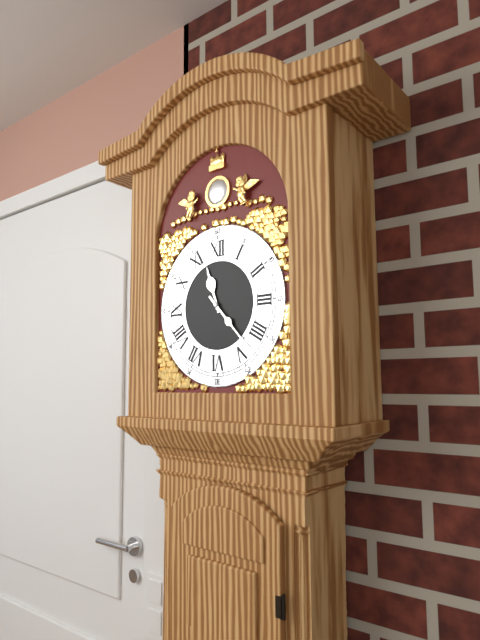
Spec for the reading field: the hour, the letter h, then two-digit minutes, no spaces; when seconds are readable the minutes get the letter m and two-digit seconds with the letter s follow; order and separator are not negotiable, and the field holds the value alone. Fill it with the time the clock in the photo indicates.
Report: 11h23
